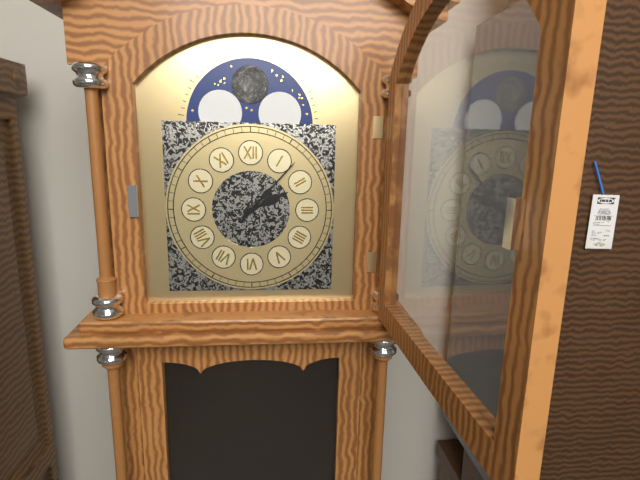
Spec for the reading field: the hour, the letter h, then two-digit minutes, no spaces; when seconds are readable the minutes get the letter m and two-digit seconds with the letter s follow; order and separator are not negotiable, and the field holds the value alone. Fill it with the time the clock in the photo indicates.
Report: 2h07
